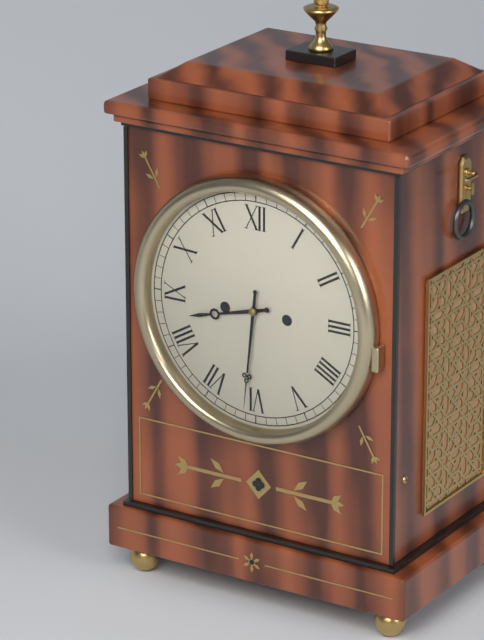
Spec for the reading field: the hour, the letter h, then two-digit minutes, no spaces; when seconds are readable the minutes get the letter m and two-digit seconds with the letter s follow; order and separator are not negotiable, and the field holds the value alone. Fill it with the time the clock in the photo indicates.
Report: 8h31
